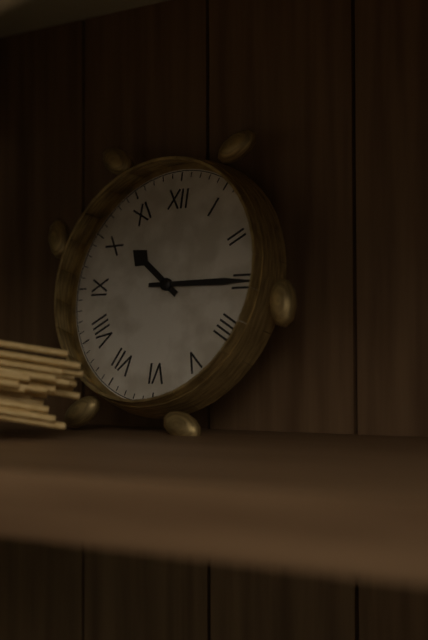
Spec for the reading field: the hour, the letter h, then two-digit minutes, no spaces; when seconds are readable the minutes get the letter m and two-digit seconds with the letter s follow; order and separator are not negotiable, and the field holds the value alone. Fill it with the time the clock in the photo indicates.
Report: 10h15
